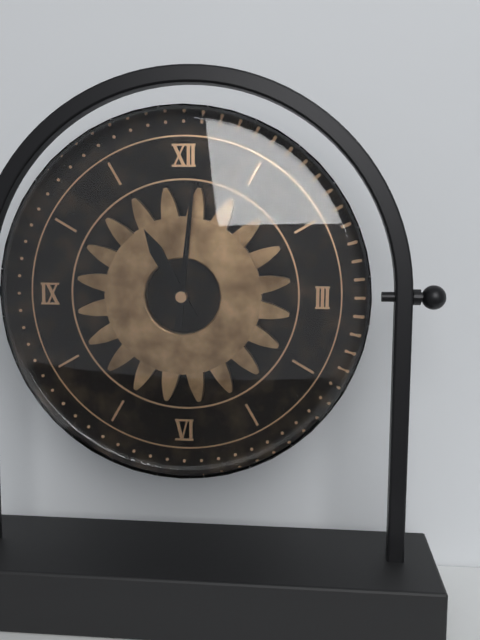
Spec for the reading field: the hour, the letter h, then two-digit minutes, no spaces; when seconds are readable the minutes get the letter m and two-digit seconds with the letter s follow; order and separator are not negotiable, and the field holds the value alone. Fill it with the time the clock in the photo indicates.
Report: 11h01
